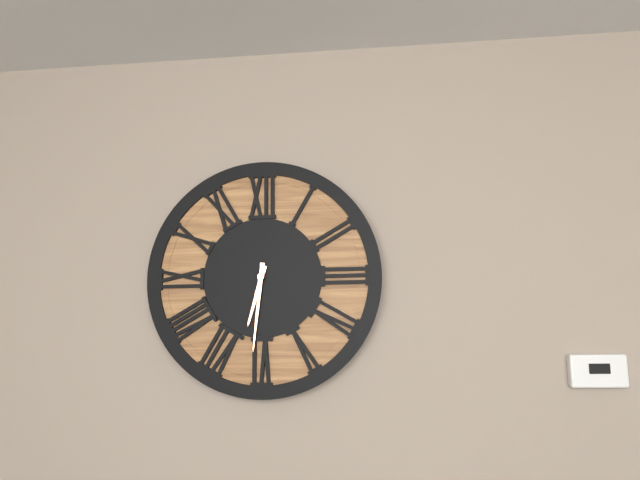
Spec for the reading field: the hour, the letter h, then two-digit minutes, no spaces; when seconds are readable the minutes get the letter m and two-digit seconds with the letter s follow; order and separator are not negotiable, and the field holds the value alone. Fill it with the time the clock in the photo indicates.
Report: 6h31
